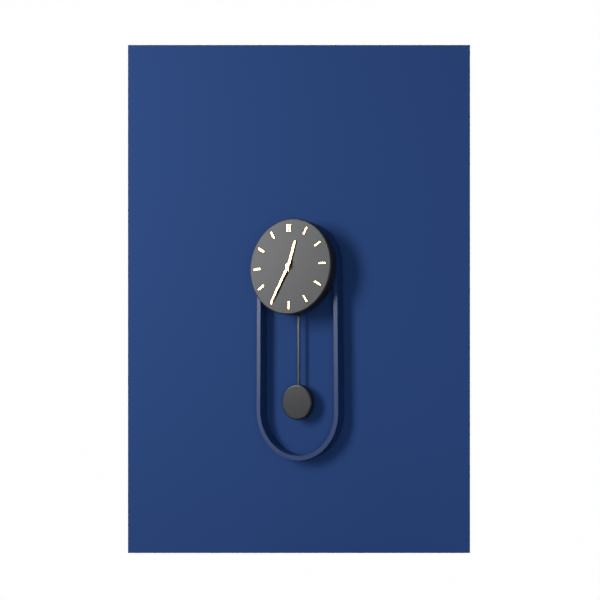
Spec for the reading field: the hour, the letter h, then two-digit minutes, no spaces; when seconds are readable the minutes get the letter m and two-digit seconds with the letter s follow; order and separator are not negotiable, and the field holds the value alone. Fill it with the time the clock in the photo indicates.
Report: 12h35
